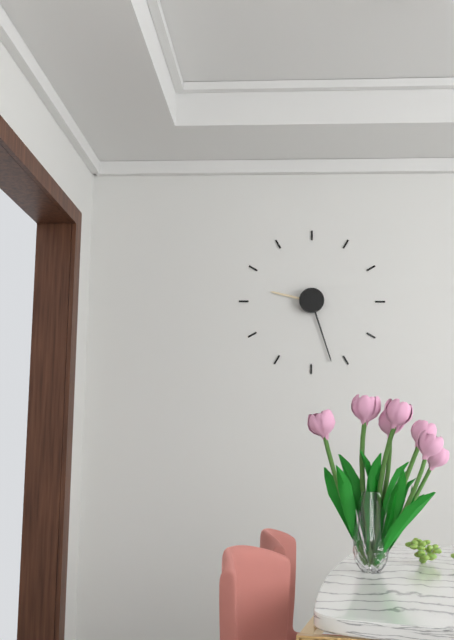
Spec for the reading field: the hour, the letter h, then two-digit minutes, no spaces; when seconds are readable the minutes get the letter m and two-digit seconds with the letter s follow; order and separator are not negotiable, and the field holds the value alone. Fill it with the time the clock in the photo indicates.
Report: 9h27
